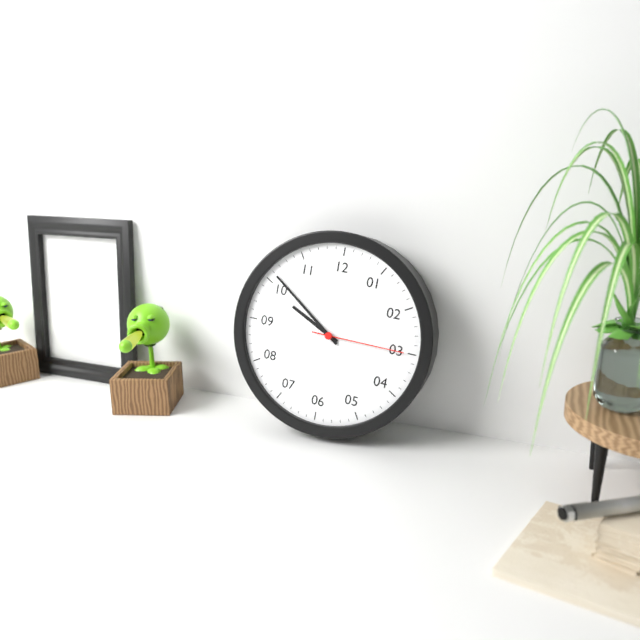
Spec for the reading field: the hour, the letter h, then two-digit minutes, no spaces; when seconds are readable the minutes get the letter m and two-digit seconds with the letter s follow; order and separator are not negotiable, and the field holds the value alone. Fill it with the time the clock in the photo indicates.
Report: 9h51m15s
